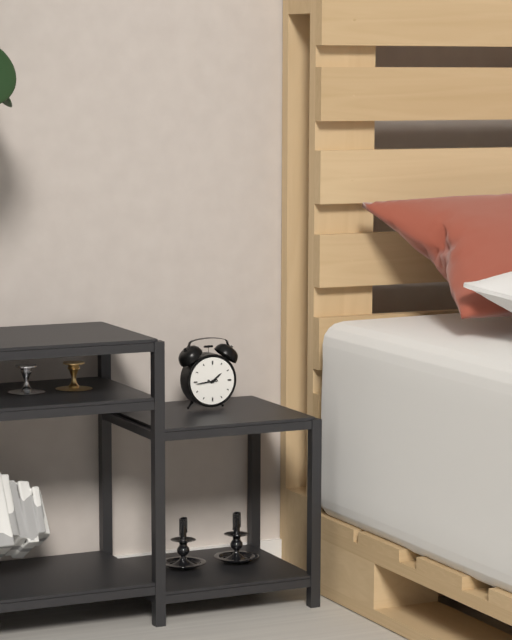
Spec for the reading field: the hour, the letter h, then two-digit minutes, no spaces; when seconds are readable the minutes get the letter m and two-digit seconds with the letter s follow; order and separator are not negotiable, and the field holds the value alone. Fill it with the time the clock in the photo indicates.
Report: 1h44
